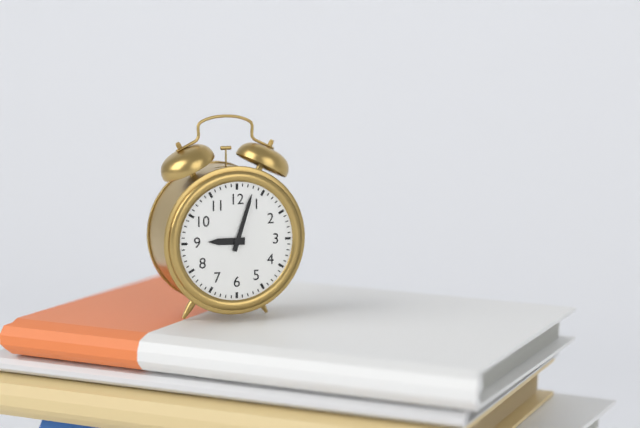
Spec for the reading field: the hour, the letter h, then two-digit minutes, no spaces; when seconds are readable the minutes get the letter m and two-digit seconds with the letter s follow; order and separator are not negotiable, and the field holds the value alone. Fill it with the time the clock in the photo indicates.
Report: 9h03
